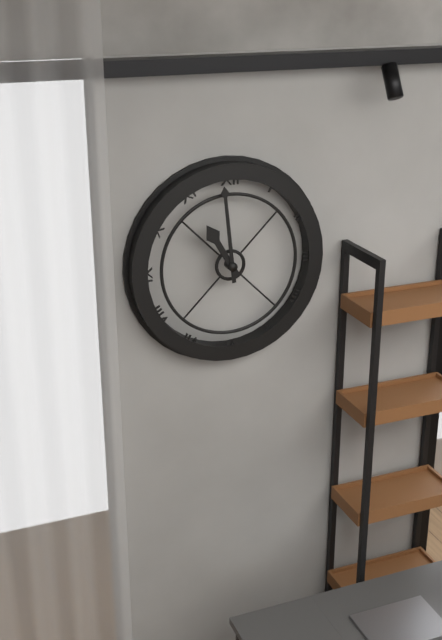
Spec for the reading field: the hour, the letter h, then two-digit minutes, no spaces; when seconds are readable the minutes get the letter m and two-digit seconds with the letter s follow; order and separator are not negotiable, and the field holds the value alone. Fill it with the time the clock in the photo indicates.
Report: 10h59
